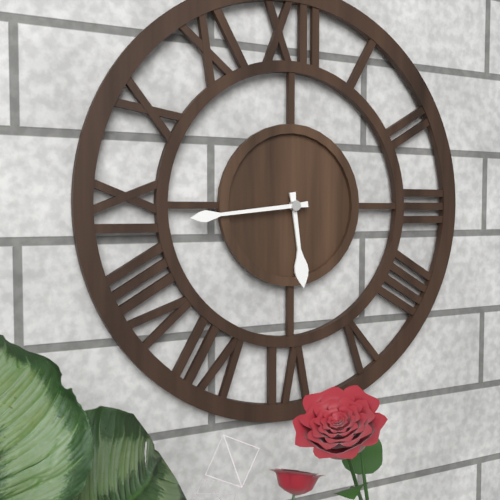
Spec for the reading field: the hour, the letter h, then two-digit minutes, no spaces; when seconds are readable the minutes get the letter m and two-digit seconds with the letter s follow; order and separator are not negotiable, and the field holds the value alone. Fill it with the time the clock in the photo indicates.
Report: 5h44
